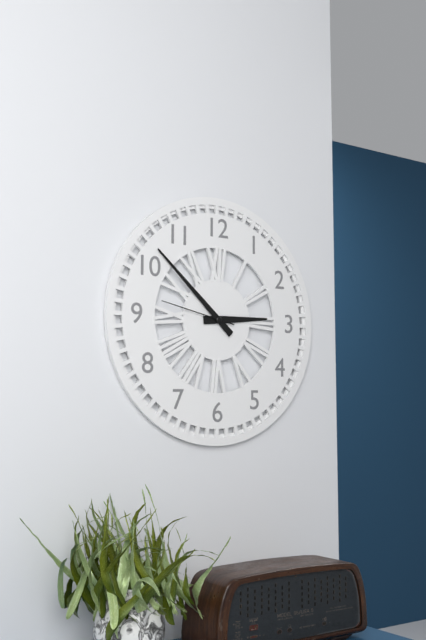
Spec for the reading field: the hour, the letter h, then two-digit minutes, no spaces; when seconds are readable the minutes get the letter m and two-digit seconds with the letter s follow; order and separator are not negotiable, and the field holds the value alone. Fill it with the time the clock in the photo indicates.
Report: 2h52m47s
